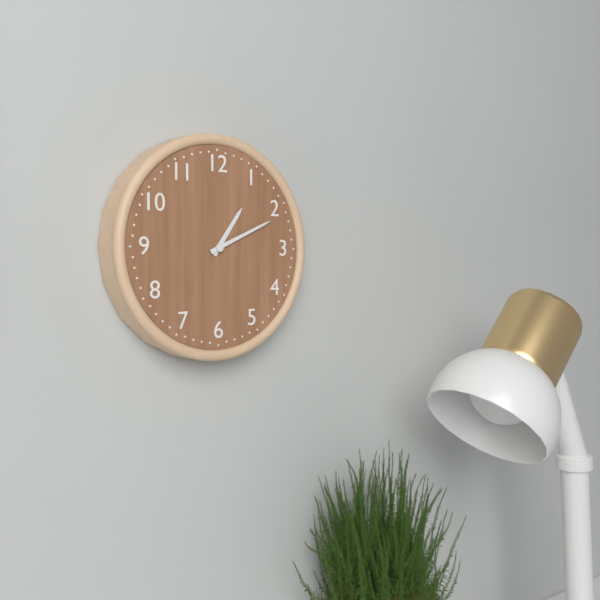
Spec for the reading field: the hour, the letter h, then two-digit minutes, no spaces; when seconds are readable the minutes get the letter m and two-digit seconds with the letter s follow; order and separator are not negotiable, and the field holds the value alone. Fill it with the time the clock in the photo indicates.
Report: 1h11
